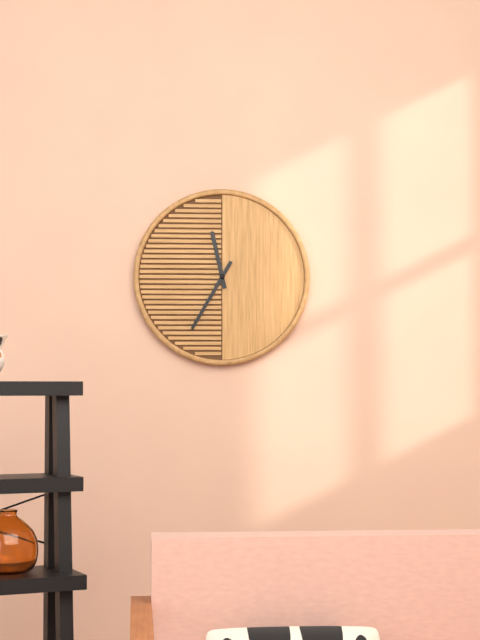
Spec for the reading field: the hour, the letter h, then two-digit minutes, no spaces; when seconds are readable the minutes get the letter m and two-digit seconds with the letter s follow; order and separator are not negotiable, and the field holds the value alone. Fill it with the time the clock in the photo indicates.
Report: 11h35
